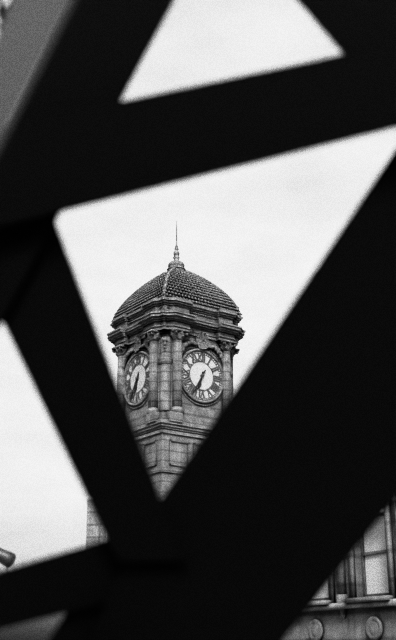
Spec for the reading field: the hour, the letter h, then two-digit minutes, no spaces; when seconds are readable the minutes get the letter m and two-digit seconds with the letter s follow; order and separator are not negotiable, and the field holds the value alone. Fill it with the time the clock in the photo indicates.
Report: 6h35
